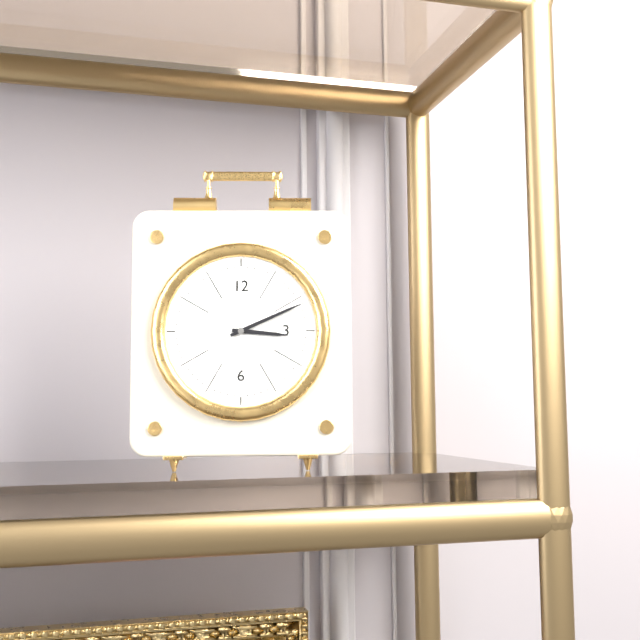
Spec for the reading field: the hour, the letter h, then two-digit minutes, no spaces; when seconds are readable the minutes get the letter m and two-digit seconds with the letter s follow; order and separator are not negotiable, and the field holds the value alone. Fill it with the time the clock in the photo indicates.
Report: 3h11
